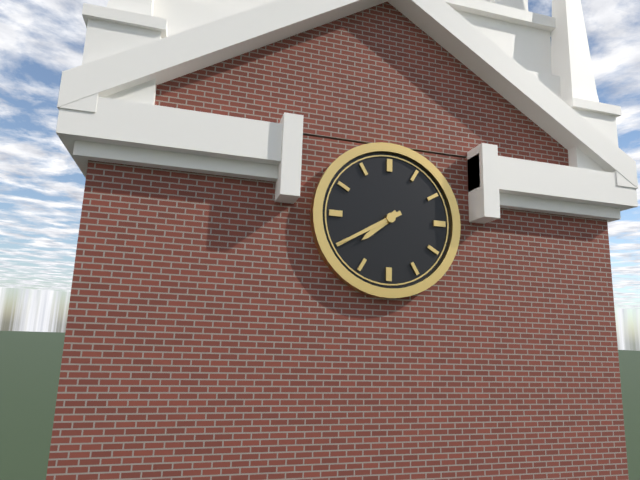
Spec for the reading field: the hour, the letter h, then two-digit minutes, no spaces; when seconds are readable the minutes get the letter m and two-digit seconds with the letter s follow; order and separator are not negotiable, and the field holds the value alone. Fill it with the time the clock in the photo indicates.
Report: 7h40
